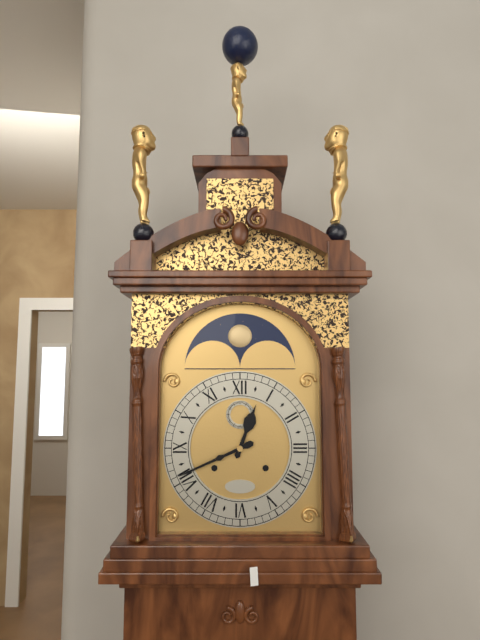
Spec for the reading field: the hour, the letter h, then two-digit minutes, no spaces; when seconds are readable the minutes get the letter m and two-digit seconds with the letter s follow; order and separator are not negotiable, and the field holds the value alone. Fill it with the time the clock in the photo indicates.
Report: 12h41
